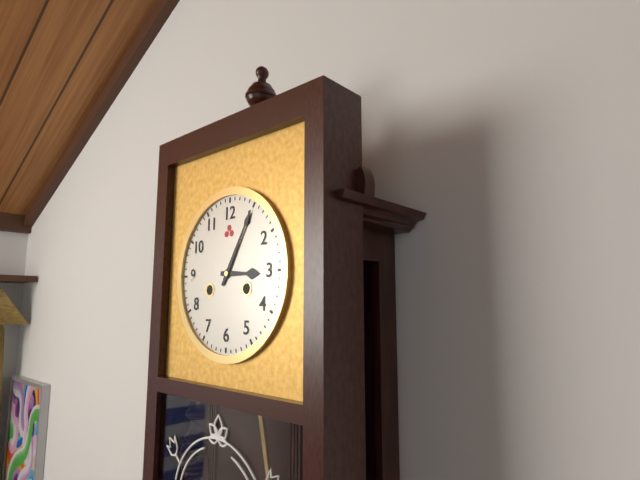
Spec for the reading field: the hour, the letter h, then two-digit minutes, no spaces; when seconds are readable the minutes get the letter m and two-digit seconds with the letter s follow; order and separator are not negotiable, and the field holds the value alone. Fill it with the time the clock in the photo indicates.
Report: 3h05
